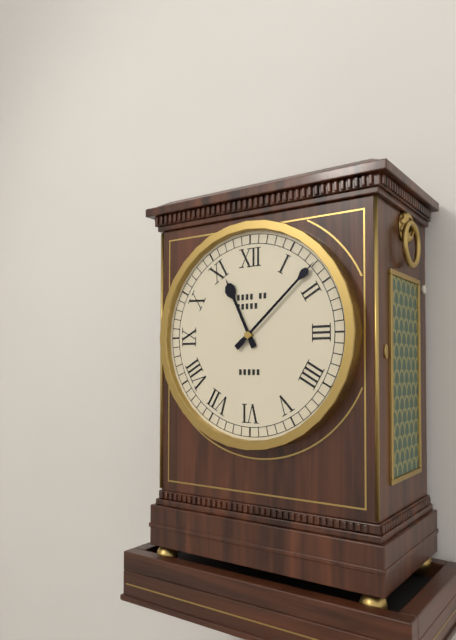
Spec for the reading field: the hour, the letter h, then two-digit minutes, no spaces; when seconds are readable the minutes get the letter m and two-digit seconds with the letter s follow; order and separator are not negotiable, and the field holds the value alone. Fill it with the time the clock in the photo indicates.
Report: 11h08
